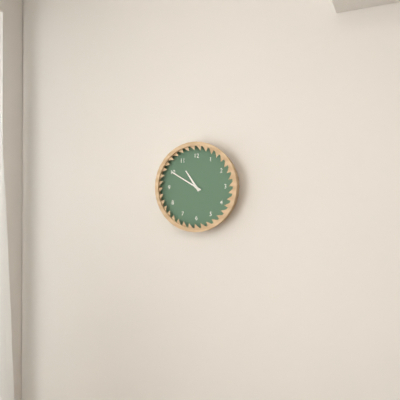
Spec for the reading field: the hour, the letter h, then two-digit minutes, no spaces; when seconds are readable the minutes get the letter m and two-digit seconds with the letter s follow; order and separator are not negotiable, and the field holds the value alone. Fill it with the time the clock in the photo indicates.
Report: 10h50
